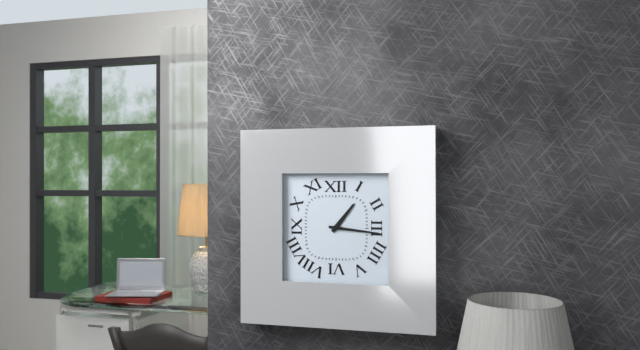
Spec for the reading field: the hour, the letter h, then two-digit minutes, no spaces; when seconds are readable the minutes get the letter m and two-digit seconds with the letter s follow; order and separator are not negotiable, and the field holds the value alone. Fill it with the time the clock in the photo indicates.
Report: 1h16
